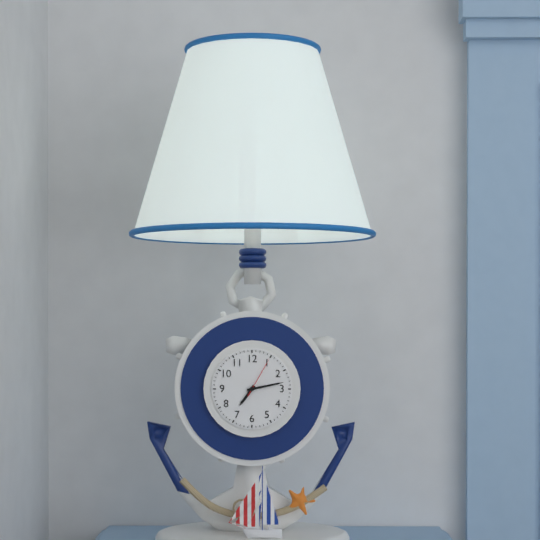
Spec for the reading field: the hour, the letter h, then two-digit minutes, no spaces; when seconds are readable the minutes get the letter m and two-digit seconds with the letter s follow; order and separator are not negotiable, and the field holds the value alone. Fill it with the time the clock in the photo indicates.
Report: 7h13
